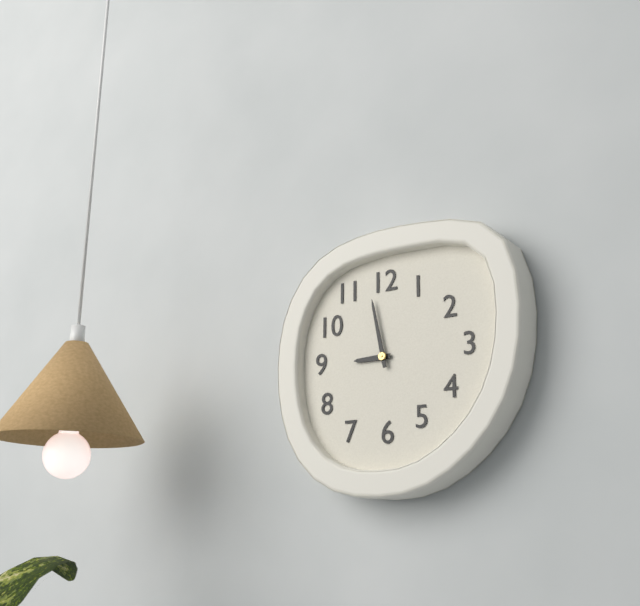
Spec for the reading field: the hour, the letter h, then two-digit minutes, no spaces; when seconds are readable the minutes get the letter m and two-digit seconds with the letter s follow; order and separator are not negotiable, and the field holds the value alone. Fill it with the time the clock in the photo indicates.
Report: 8h58
